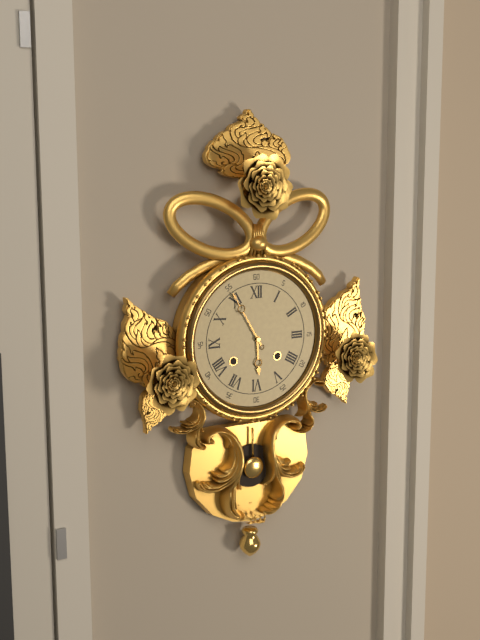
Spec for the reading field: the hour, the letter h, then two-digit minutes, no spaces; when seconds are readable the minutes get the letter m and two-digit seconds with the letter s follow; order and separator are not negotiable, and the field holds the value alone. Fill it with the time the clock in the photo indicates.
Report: 5h55
